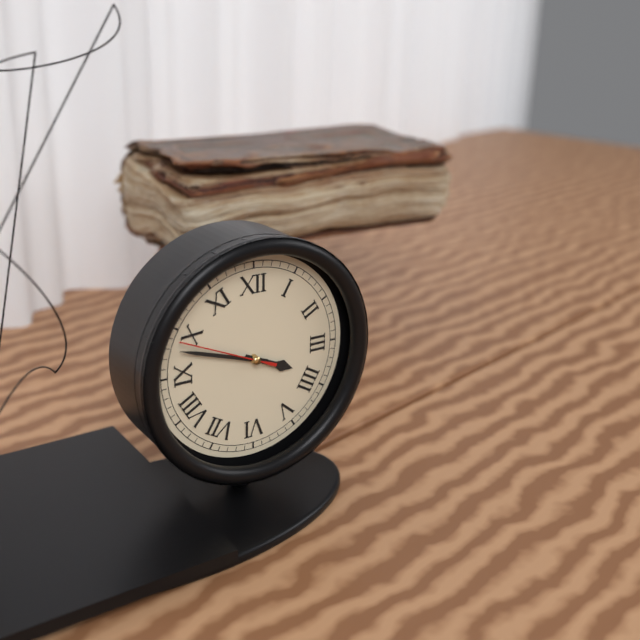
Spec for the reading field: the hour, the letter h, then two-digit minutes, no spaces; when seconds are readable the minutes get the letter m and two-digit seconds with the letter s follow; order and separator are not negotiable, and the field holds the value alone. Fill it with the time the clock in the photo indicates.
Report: 3h48m49s
